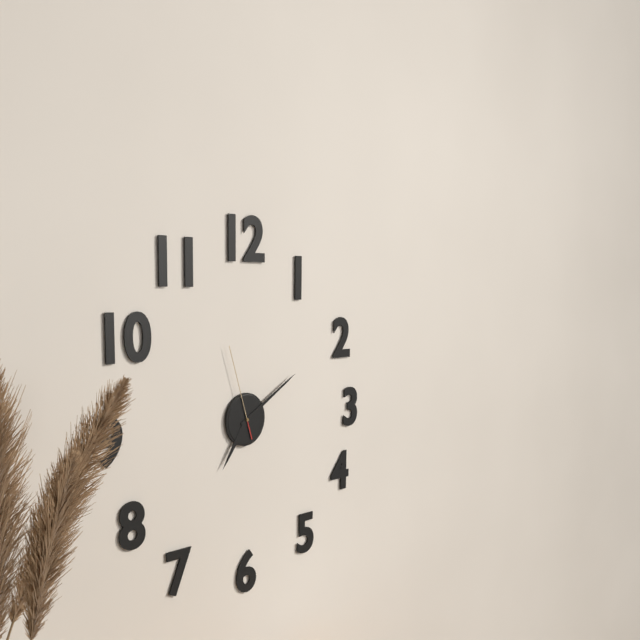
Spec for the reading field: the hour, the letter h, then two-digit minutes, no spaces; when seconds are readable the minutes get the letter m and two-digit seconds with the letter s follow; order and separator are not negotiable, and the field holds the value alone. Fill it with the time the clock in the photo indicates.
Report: 7h10m57s
